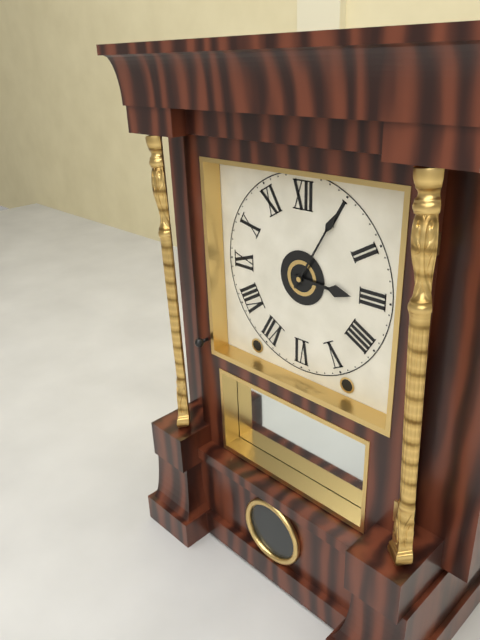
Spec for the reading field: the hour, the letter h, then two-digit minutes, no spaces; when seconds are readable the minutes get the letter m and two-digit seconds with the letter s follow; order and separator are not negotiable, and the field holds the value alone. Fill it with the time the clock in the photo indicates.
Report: 3h05
